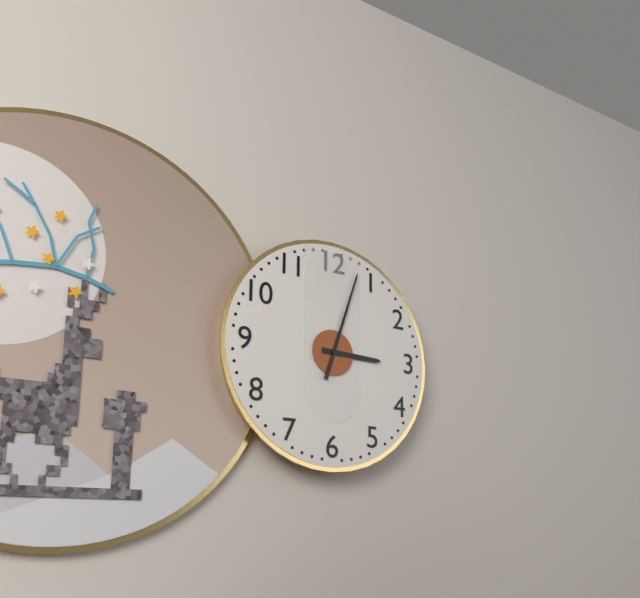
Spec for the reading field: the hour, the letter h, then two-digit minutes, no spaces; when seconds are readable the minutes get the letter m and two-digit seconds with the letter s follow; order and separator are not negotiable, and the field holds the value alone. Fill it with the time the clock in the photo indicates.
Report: 3h03
